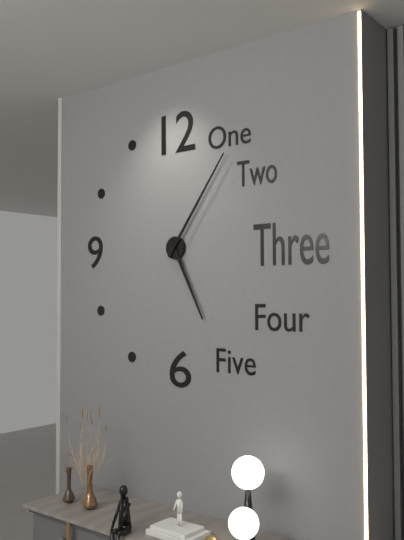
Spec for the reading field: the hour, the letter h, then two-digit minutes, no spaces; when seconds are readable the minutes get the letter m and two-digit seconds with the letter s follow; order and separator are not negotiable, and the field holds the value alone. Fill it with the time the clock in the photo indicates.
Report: 5h06
